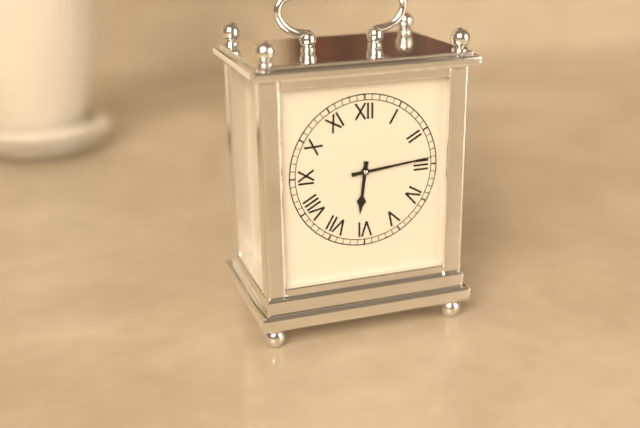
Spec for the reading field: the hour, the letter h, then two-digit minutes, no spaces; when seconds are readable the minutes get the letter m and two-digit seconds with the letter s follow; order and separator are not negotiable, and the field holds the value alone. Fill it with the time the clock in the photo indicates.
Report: 6h14
